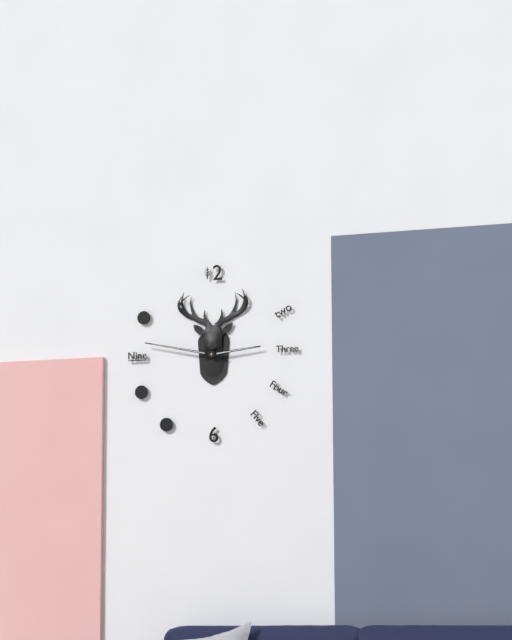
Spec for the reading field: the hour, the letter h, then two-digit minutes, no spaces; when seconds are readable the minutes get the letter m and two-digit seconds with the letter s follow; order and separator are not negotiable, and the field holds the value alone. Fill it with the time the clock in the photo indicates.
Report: 2h47
